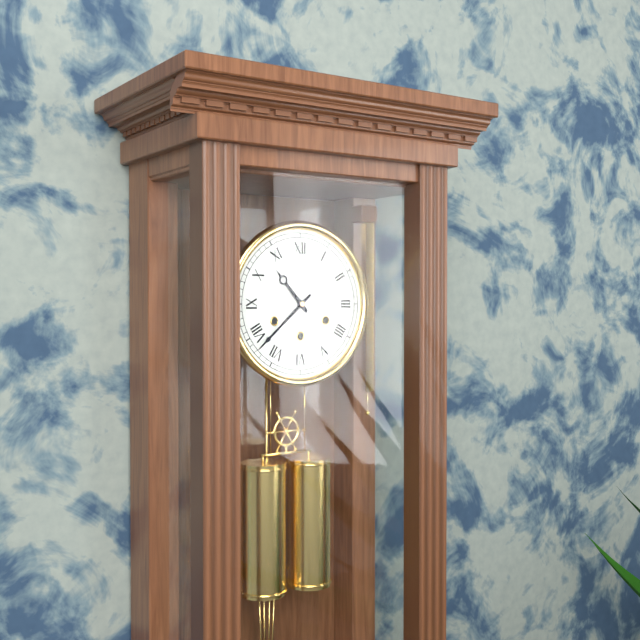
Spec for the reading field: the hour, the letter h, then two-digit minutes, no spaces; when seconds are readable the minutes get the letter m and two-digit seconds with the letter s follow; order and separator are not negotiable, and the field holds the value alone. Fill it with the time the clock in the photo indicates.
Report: 10h38
